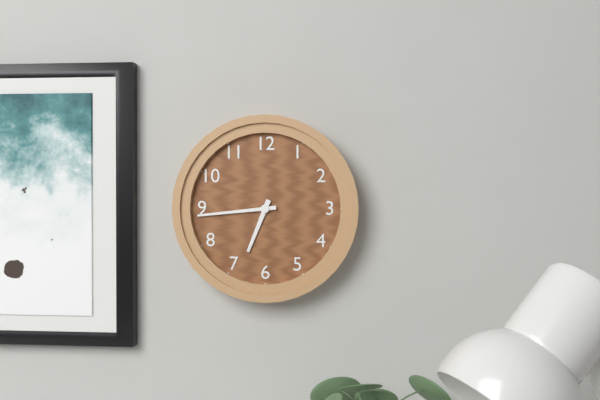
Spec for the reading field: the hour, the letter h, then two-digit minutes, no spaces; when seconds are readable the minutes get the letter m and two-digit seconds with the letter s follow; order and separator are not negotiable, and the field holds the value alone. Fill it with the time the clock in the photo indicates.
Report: 6h44
